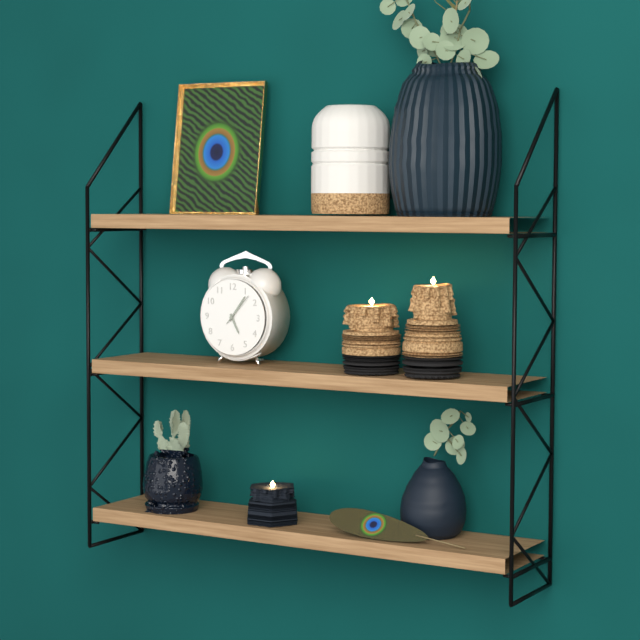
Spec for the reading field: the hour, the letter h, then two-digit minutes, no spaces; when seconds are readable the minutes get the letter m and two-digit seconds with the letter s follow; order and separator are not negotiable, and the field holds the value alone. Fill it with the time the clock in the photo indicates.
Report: 5h06
